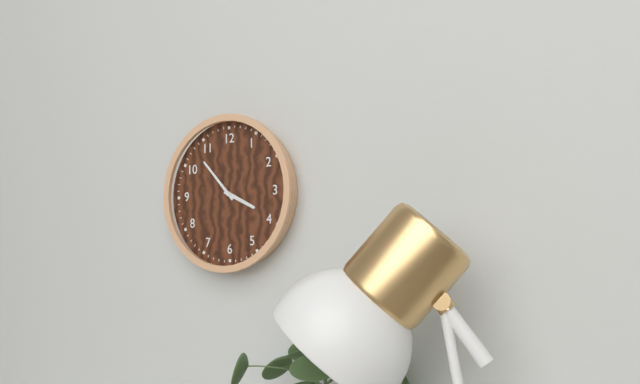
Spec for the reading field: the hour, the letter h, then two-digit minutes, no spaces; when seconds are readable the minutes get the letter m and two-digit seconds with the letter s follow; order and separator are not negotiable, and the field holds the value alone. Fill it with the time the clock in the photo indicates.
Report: 3h53
